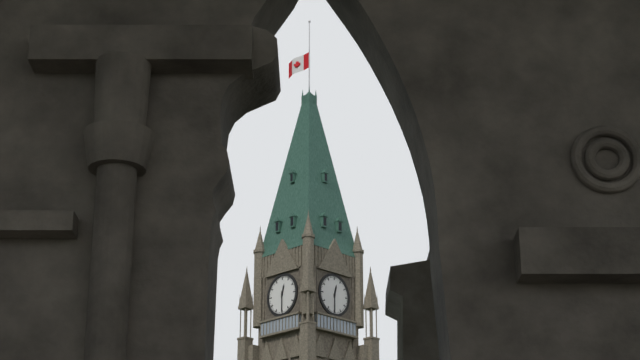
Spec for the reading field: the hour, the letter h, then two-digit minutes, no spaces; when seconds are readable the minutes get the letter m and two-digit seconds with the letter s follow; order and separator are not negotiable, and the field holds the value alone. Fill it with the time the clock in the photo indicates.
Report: 12h30
